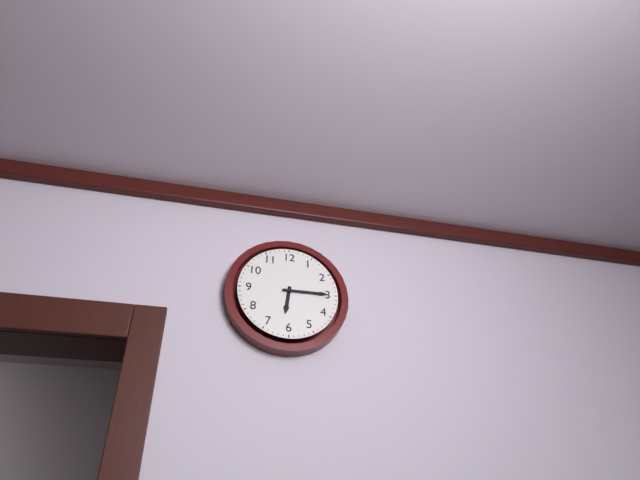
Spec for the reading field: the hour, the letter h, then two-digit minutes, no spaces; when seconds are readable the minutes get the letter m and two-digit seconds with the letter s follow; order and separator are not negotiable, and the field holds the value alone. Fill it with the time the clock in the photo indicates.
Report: 6h15
